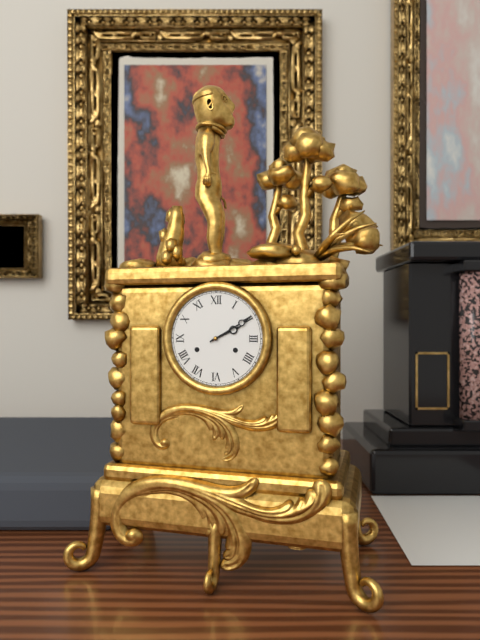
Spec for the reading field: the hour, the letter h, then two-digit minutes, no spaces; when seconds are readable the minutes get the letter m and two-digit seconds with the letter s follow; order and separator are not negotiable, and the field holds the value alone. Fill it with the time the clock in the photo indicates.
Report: 2h10
